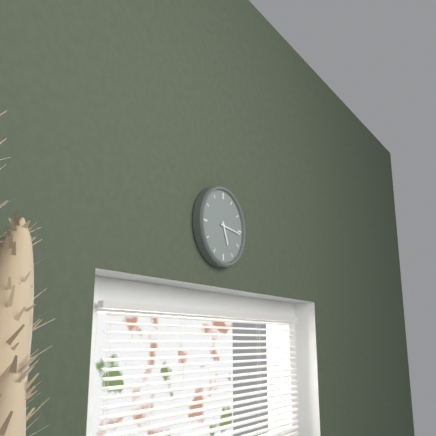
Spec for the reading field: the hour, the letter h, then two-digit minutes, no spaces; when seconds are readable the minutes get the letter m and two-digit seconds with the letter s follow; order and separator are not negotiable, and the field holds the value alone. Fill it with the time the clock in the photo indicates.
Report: 5h16
